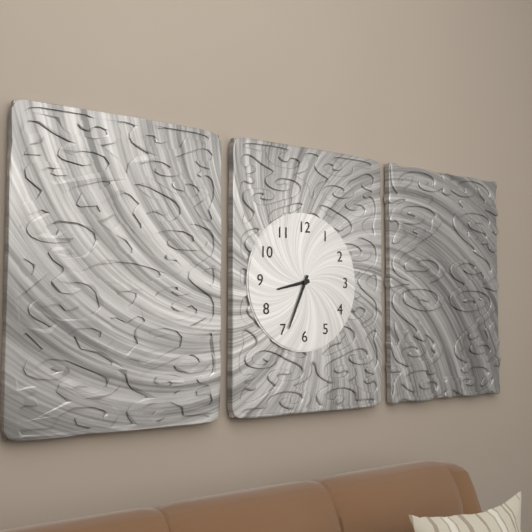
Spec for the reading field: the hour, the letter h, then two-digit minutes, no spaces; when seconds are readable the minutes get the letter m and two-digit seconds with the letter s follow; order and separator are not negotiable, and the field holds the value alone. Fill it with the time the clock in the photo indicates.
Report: 8h34
